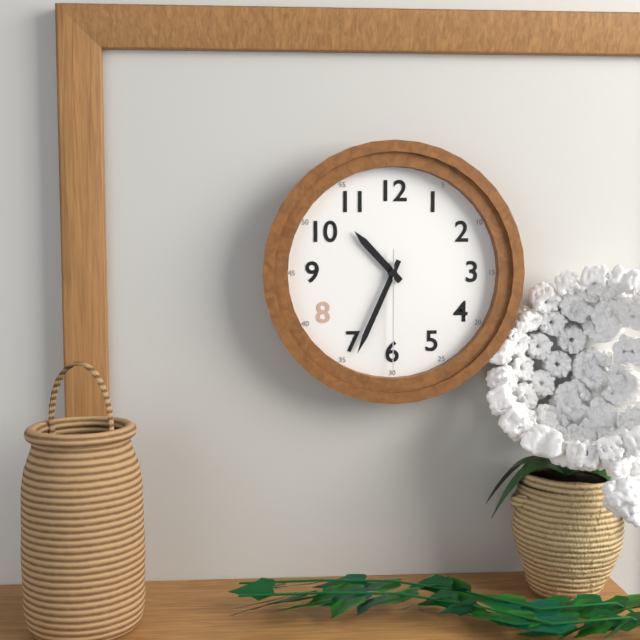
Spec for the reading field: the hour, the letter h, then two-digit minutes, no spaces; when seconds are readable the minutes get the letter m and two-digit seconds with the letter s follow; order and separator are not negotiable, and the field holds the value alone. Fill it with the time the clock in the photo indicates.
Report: 10h34m30s
